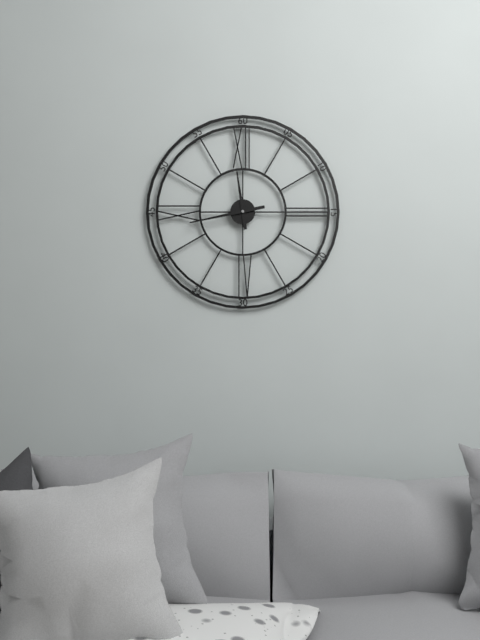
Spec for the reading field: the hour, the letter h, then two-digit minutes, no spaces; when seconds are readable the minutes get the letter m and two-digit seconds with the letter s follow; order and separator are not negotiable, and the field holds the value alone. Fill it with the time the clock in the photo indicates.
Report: 11h43
